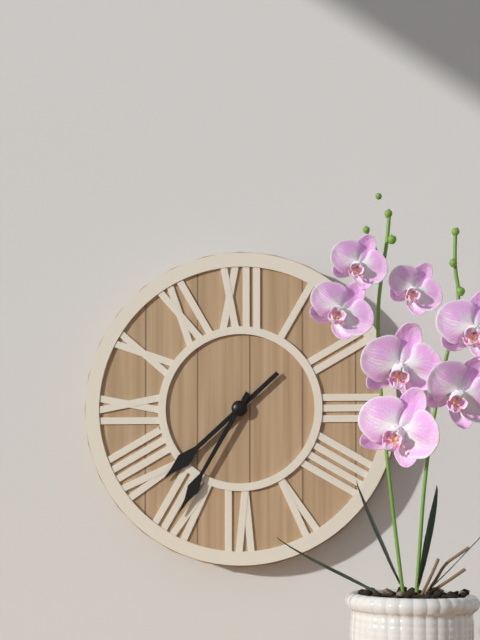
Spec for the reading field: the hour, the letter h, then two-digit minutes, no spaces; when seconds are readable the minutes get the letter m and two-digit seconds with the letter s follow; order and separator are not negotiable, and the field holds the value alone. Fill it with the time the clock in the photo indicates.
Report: 7h35
